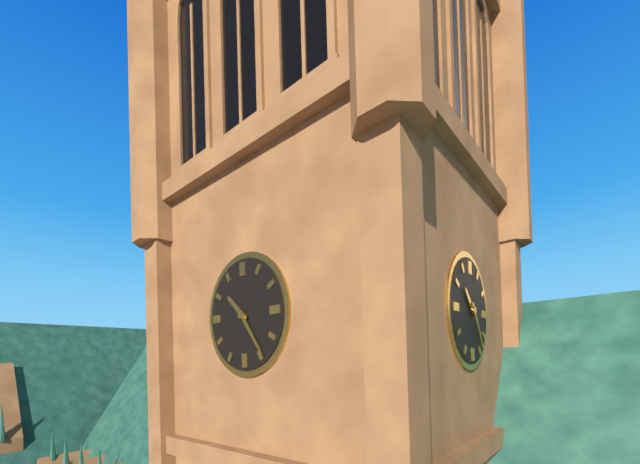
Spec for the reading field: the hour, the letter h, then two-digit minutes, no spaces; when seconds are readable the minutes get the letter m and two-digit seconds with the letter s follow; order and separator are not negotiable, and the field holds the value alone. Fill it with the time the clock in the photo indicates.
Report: 10h24
